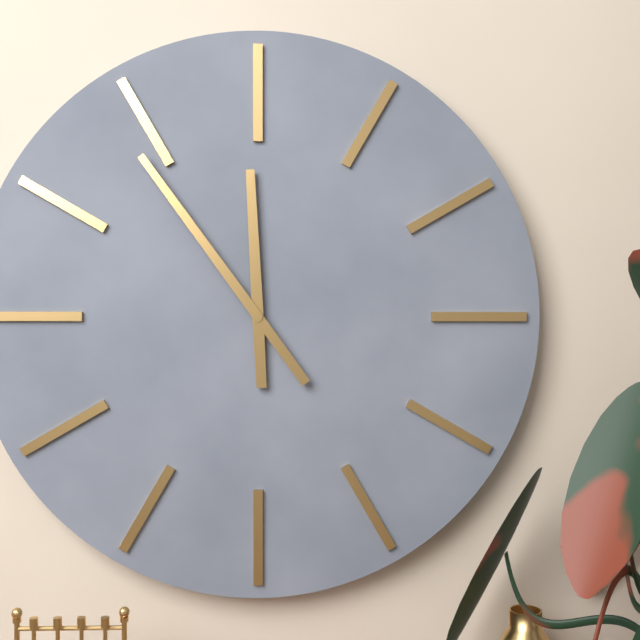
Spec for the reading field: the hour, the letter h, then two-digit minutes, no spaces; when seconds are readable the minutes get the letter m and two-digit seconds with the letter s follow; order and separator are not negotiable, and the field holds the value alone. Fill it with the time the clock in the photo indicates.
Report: 11h54
